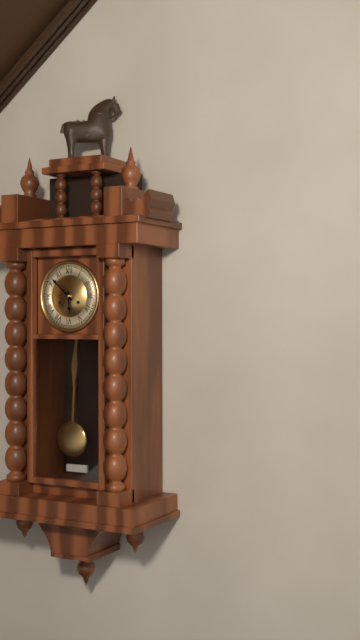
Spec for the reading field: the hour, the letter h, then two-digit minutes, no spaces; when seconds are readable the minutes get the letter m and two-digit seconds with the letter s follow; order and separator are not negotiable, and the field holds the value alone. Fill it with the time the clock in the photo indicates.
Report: 5h52
